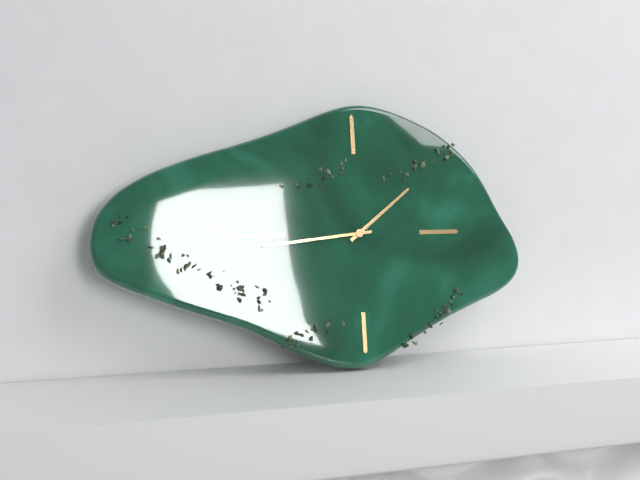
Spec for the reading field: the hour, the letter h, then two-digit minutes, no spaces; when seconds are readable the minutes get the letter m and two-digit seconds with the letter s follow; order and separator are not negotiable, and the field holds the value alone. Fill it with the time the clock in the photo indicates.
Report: 1h44
